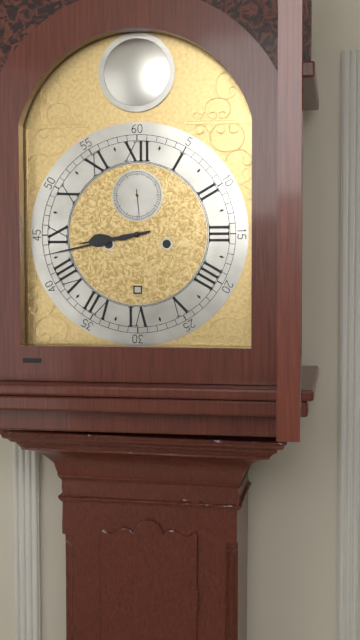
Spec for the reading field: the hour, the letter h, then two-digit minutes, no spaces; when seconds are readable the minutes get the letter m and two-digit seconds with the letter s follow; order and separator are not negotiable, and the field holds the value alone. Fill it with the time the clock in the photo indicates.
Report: 8h43
